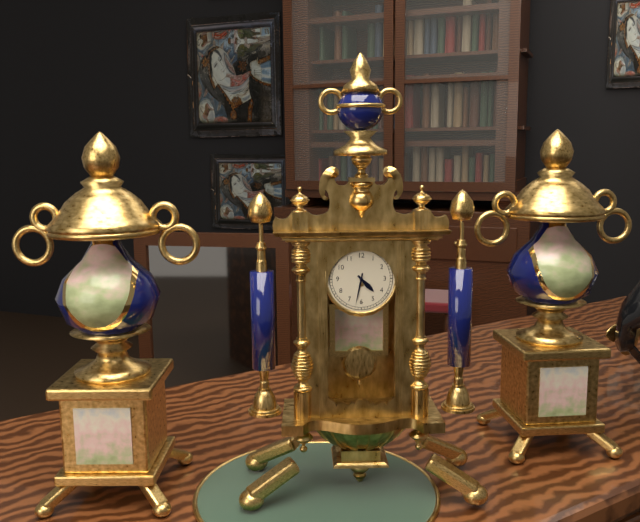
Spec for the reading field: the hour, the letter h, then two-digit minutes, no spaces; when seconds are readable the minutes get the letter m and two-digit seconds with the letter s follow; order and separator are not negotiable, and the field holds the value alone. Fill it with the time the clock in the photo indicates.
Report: 4h32
